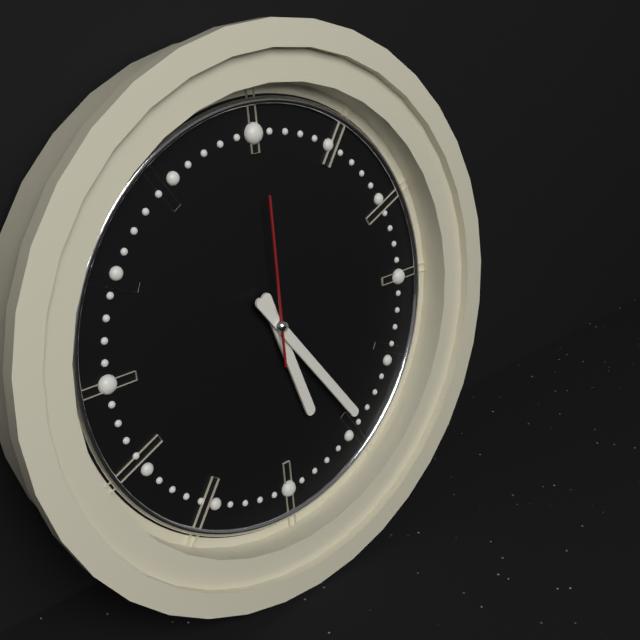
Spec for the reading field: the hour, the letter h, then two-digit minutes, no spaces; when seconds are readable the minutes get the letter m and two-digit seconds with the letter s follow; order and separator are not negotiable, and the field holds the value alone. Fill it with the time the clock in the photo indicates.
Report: 5h24m00s
